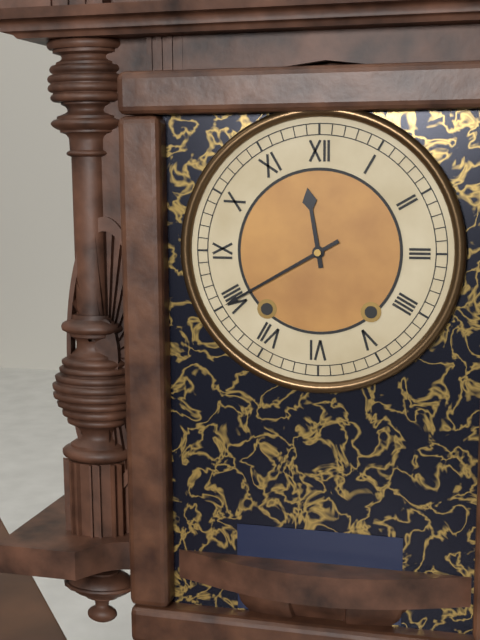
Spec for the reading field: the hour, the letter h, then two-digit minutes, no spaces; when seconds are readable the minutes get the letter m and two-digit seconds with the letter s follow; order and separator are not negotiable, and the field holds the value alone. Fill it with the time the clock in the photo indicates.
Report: 11h40
